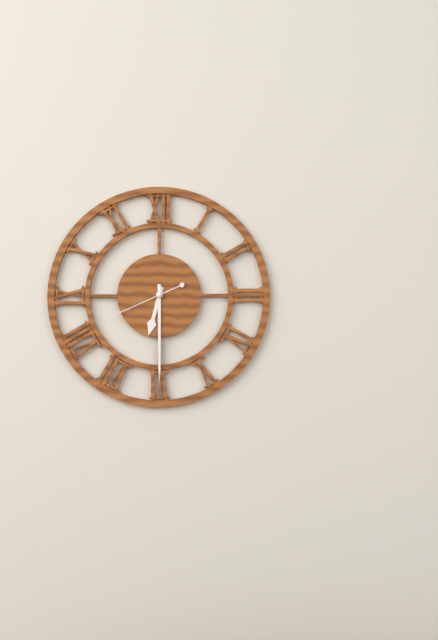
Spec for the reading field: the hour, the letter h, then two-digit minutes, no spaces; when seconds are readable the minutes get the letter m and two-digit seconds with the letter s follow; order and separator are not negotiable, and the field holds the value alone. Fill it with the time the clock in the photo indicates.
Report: 6h30m41s
